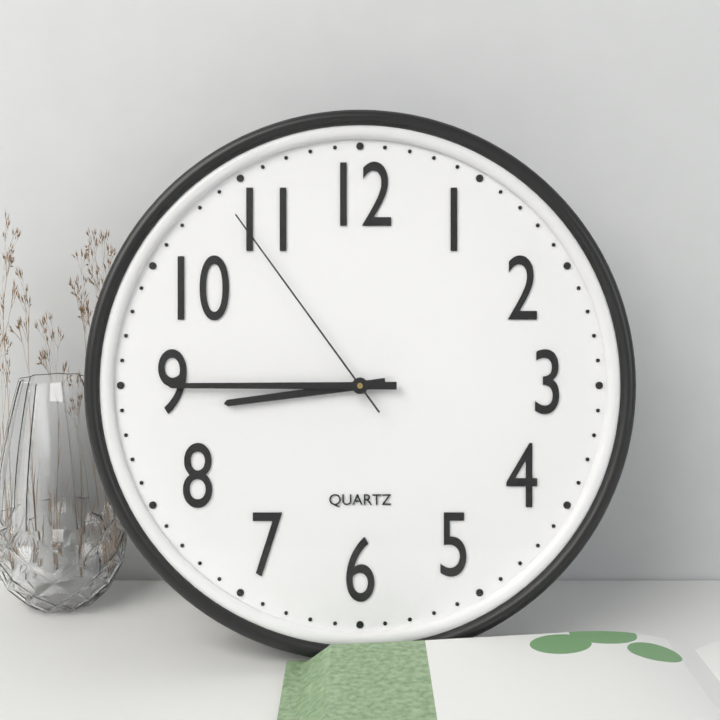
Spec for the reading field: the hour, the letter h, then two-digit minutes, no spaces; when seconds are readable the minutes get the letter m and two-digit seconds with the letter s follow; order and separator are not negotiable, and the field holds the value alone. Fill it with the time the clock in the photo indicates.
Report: 8h45m54s
